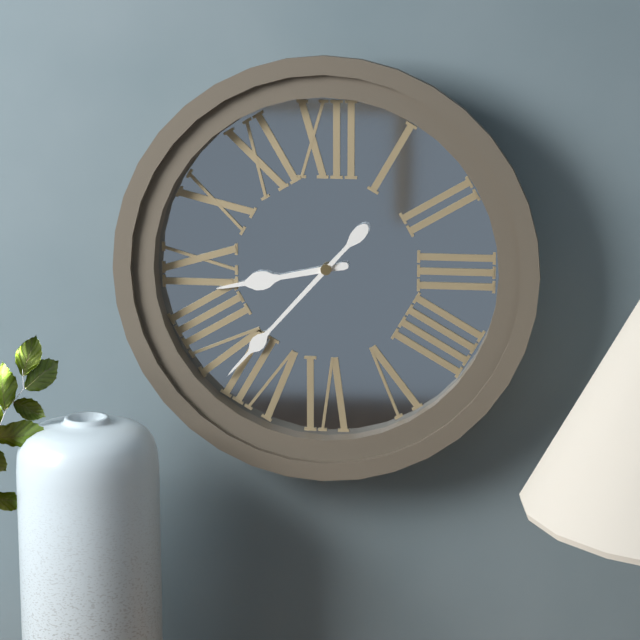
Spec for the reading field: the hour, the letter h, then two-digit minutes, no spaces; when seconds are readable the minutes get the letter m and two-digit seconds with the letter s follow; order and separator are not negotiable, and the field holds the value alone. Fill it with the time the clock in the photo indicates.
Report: 8h37
